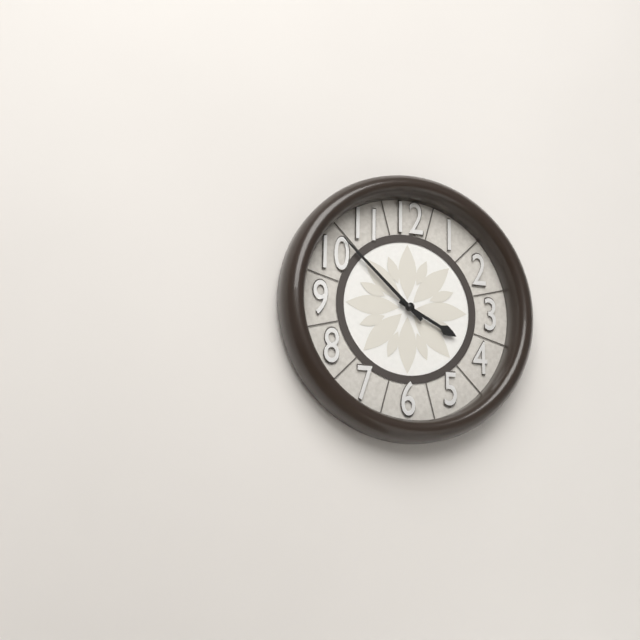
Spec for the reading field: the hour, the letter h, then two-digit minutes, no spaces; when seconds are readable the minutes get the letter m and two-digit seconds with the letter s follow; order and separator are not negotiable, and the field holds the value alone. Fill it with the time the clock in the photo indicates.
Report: 3h52
